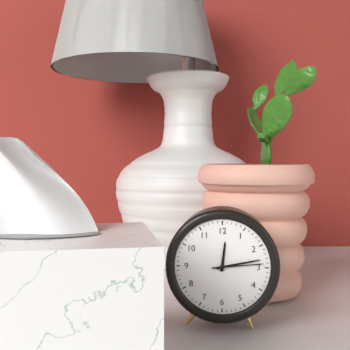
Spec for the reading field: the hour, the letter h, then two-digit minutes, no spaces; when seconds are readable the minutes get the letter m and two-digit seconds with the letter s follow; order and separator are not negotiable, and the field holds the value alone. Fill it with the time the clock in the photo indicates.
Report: 12h13m14s
